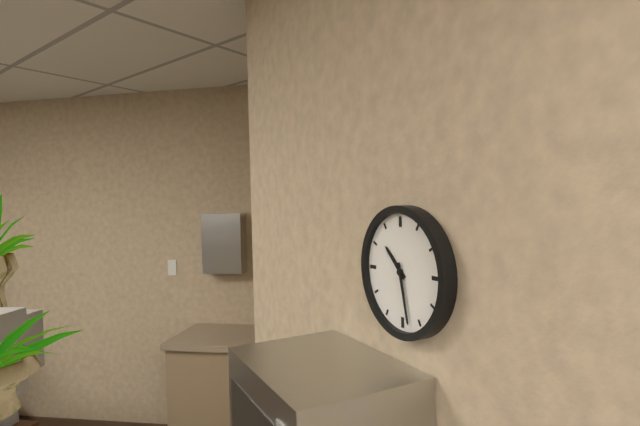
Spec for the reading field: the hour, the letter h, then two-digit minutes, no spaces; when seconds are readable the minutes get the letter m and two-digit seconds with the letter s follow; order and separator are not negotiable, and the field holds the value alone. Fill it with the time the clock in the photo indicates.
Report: 10h28
